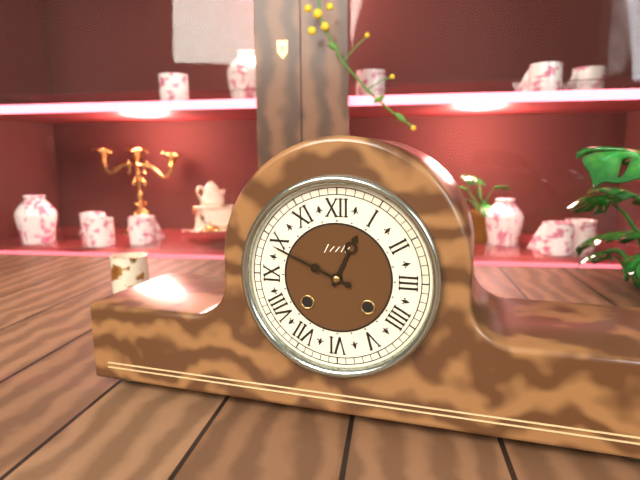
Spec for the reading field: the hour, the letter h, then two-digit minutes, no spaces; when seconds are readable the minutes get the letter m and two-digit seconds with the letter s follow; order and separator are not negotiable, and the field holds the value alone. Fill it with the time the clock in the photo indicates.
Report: 12h49
